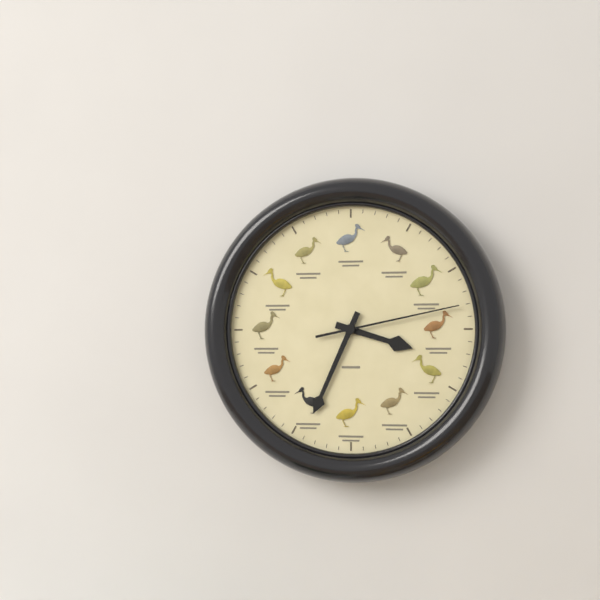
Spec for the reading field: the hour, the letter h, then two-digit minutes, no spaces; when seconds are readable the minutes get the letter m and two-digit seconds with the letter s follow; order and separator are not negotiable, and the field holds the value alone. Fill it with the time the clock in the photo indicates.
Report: 3h34m13s
